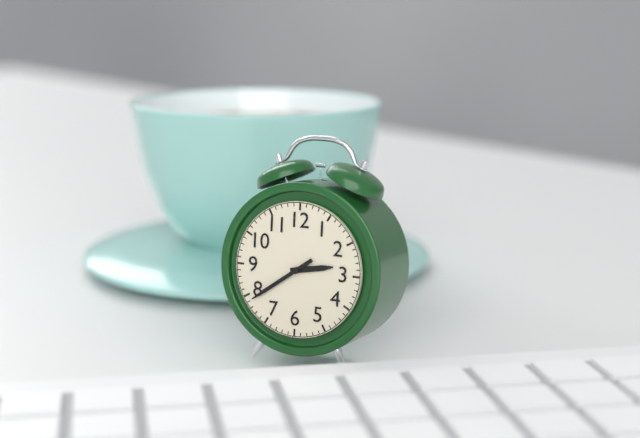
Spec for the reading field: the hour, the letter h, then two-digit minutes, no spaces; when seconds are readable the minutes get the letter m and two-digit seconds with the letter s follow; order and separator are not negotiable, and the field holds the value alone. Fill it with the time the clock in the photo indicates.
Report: 2h39
